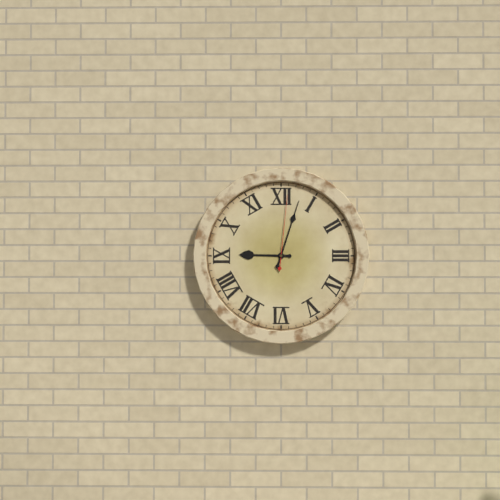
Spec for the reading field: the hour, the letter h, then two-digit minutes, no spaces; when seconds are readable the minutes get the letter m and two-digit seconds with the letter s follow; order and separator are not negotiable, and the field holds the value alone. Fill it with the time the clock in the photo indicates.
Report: 9h03m01s
